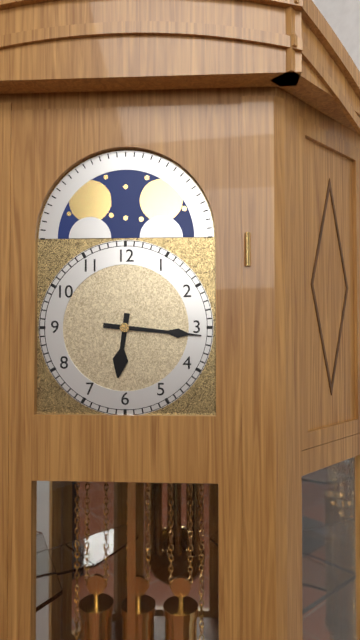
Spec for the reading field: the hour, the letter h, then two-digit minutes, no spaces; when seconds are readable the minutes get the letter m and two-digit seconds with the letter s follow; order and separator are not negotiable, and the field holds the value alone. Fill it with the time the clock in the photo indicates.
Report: 6h16
